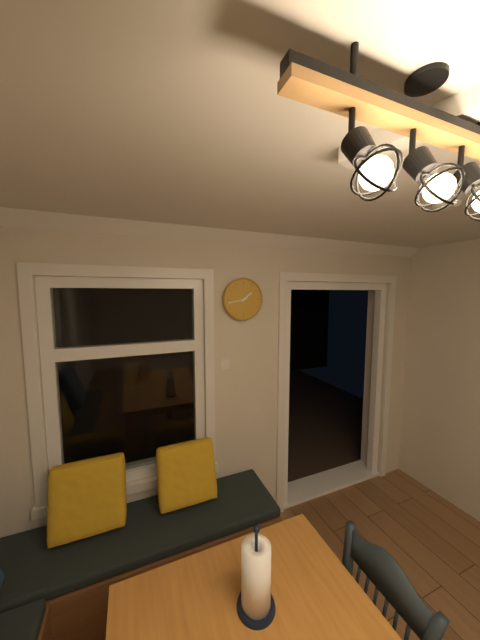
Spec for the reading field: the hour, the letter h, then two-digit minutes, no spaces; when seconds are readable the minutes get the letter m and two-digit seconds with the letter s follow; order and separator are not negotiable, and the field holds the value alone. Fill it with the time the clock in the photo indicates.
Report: 1h43
